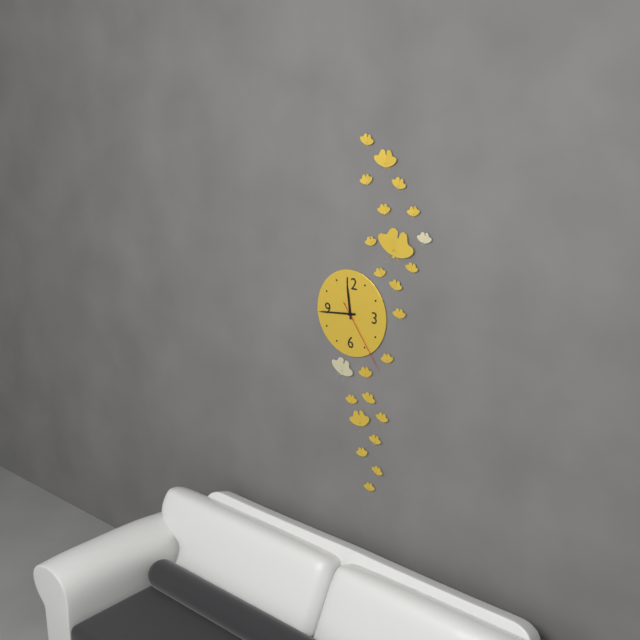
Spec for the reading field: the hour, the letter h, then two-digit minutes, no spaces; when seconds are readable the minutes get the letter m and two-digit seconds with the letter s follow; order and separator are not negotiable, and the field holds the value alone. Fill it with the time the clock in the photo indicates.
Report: 11h44m24s
